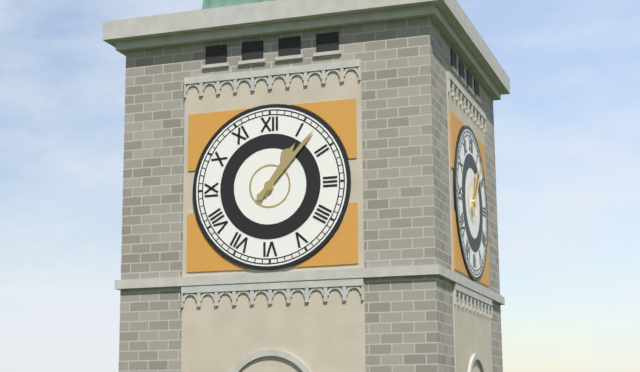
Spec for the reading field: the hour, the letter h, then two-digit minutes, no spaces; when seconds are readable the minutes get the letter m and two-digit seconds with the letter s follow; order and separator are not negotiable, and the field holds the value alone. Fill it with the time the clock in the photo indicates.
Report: 1h07
